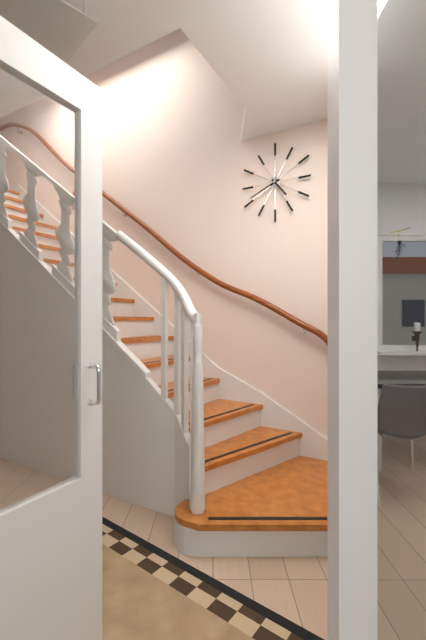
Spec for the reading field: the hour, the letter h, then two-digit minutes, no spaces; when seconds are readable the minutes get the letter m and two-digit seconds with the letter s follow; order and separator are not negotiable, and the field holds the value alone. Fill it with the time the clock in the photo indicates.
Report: 4h41
